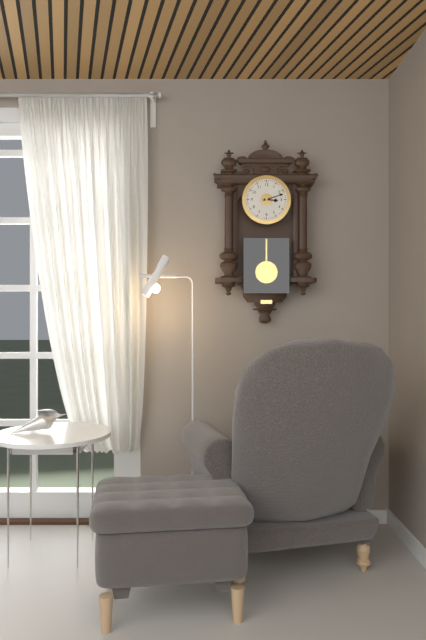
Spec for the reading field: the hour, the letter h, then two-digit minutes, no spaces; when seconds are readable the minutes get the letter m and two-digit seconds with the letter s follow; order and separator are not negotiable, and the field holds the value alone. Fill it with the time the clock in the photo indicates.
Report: 3h12
